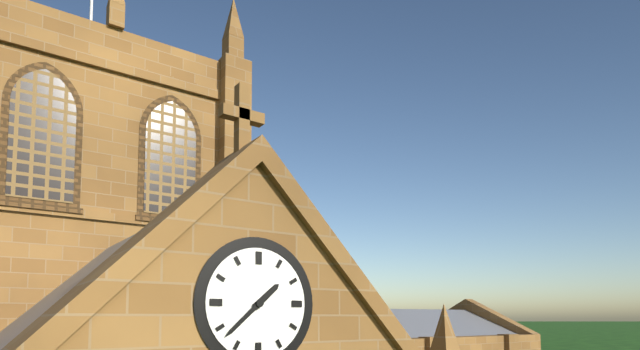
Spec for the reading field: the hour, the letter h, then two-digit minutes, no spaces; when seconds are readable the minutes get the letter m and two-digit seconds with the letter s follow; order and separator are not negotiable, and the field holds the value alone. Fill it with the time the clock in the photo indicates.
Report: 1h38
